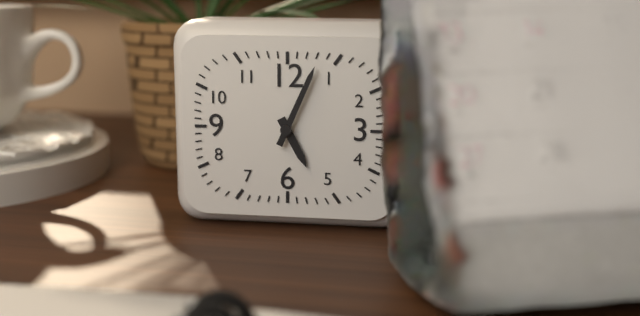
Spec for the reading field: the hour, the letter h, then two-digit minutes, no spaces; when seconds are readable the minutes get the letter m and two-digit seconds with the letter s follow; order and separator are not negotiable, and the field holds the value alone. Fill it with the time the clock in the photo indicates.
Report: 5h04
